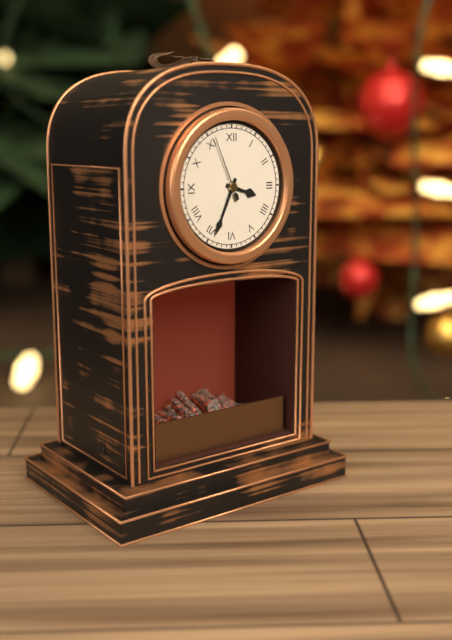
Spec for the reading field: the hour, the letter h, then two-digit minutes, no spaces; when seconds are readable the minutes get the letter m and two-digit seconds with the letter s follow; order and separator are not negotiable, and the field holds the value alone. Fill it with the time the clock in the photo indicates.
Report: 3h34m56s
